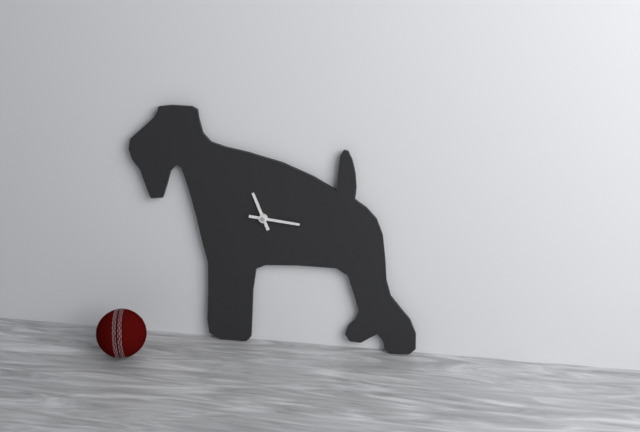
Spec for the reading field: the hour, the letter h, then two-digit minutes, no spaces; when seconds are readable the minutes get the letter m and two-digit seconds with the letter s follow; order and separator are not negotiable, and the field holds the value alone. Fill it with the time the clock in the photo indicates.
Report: 11h16
